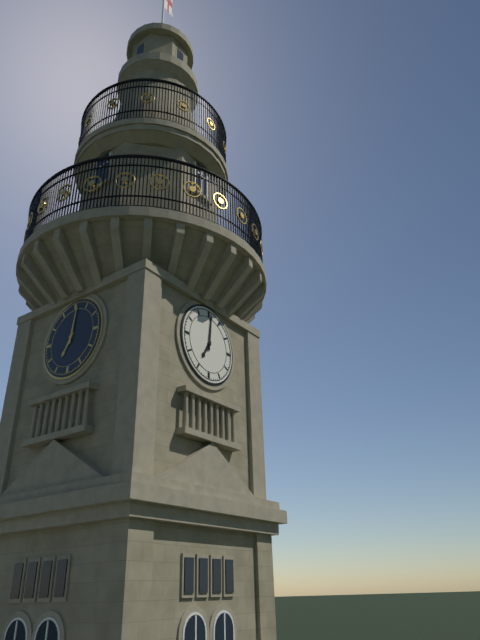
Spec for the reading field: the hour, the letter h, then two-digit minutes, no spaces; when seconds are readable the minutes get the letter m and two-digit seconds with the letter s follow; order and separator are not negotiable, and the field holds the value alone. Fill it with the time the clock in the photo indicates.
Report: 7h01
